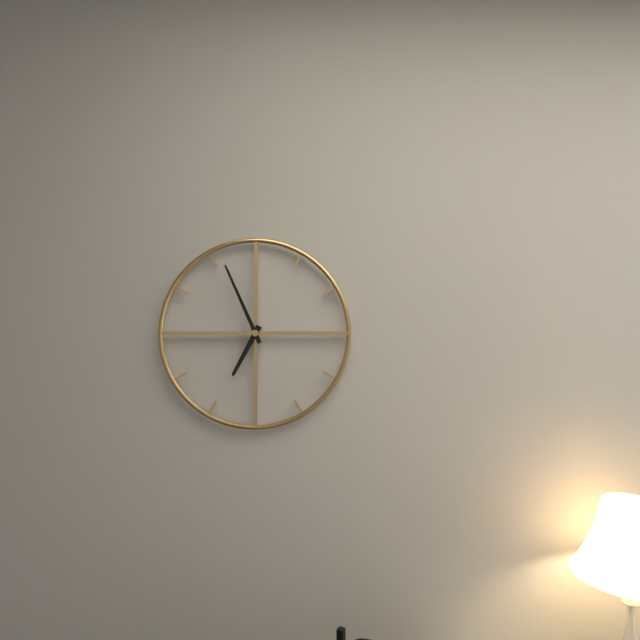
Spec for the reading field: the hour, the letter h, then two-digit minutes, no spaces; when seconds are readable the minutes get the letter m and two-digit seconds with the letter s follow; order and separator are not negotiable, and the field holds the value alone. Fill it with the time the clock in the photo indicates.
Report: 6h56
